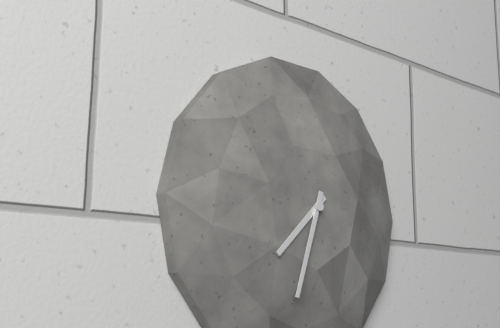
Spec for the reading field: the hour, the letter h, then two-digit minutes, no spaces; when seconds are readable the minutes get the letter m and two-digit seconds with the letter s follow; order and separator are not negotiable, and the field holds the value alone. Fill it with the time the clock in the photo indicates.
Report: 7h33
